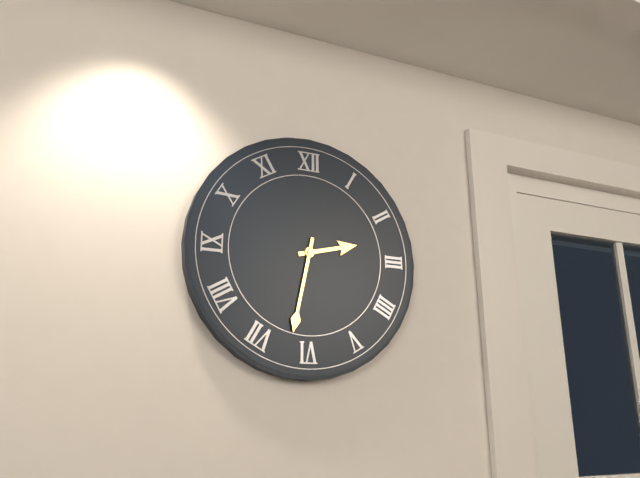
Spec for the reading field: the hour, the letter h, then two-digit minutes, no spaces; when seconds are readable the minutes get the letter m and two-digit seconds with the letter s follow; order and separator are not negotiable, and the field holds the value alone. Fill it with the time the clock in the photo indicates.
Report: 2h32
